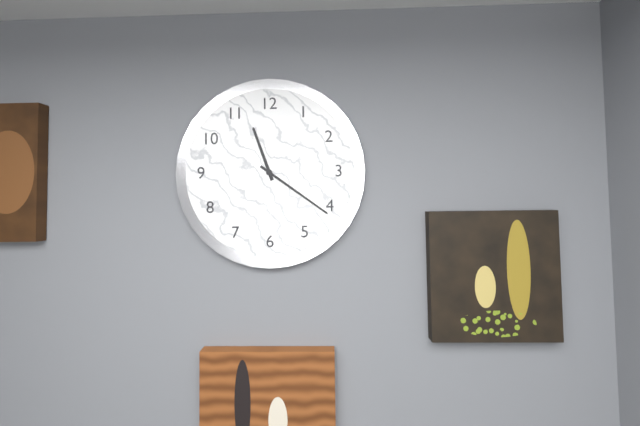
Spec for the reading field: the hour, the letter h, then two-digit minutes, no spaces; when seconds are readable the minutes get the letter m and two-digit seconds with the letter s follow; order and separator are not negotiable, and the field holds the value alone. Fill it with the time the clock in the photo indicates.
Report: 11h21
